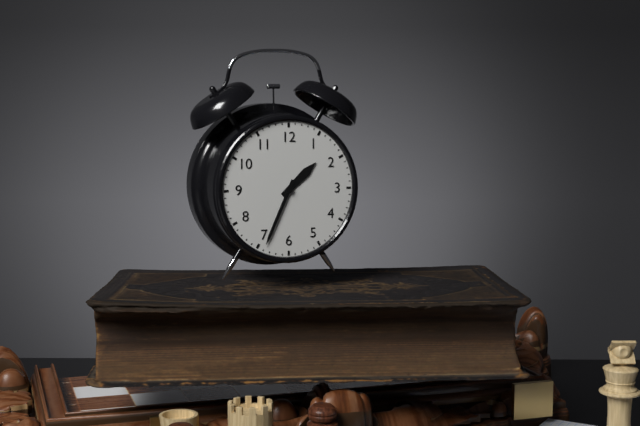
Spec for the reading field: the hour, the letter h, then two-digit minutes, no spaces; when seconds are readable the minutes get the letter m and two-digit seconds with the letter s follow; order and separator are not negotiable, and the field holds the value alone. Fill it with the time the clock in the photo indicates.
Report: 1h34
